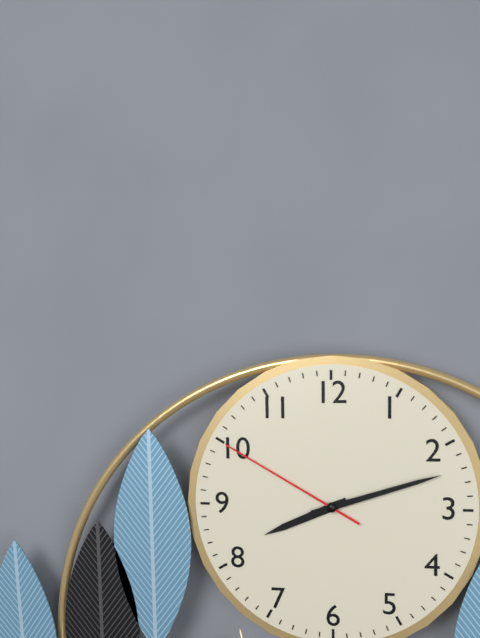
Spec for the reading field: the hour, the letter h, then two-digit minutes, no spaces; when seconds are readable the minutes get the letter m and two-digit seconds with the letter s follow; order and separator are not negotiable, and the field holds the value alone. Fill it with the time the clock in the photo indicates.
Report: 8h12m50s
